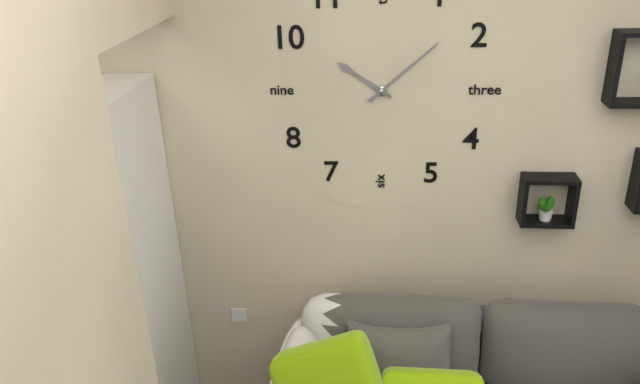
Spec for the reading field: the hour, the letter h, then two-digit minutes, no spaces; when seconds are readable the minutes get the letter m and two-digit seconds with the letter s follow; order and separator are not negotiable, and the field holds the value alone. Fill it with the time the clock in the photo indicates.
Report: 10h08
